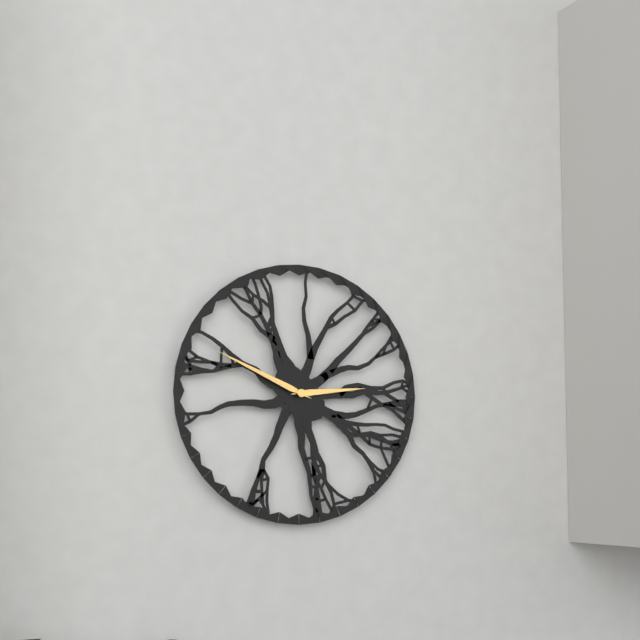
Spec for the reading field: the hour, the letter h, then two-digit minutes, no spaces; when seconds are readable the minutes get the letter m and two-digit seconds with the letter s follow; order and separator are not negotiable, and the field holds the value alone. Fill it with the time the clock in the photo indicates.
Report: 2h49
